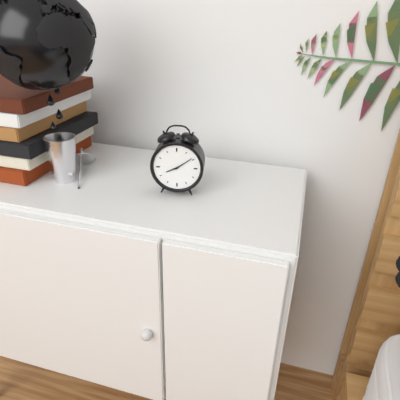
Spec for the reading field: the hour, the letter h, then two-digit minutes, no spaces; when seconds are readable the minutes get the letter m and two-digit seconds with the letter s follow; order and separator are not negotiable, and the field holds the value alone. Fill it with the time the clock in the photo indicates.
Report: 8h09
